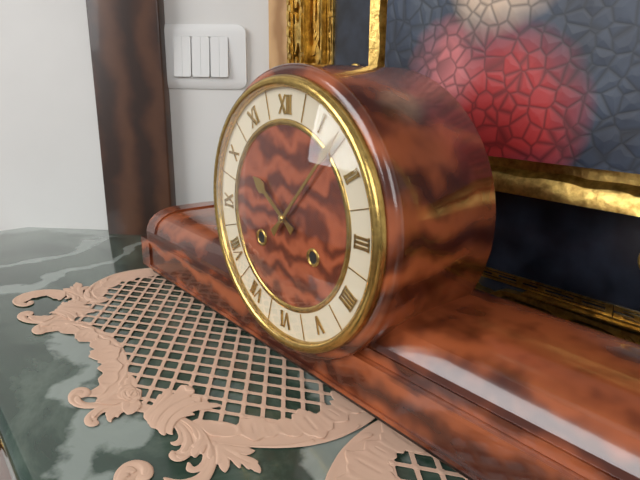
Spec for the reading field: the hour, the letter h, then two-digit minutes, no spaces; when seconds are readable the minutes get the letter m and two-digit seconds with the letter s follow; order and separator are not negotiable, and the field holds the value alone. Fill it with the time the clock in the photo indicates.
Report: 10h07
